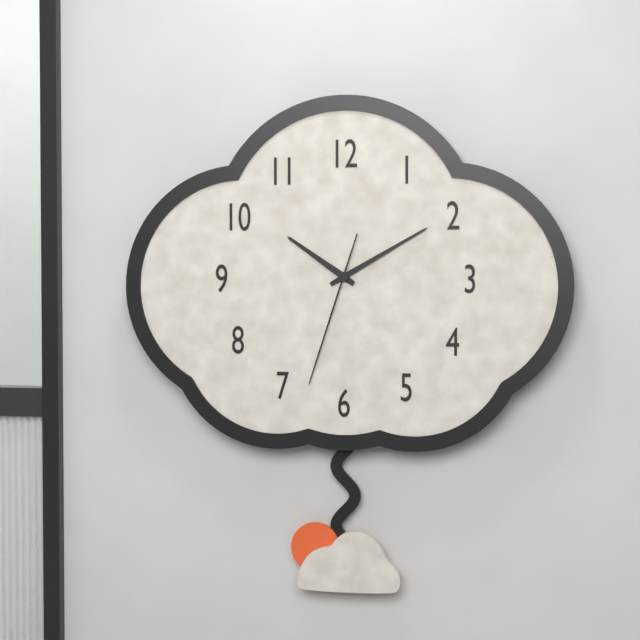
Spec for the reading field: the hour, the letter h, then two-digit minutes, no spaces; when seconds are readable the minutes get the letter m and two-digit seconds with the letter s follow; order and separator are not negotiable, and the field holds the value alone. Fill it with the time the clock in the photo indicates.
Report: 10h10m33s
